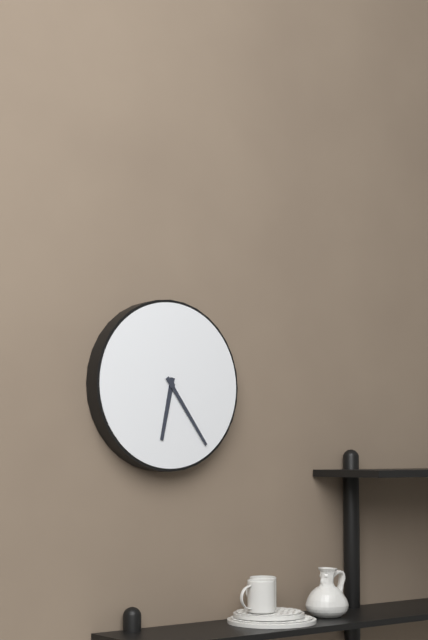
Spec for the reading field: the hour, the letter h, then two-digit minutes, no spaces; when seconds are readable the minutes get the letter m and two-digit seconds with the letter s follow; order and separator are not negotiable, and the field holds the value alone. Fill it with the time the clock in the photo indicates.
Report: 6h24
